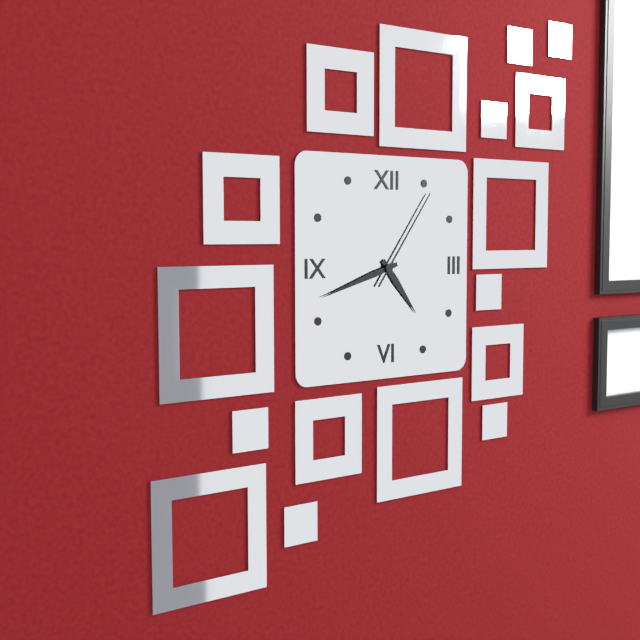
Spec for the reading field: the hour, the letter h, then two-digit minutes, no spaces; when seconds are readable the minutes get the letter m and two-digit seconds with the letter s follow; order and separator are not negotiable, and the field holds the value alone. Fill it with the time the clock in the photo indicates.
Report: 4h42m06s
